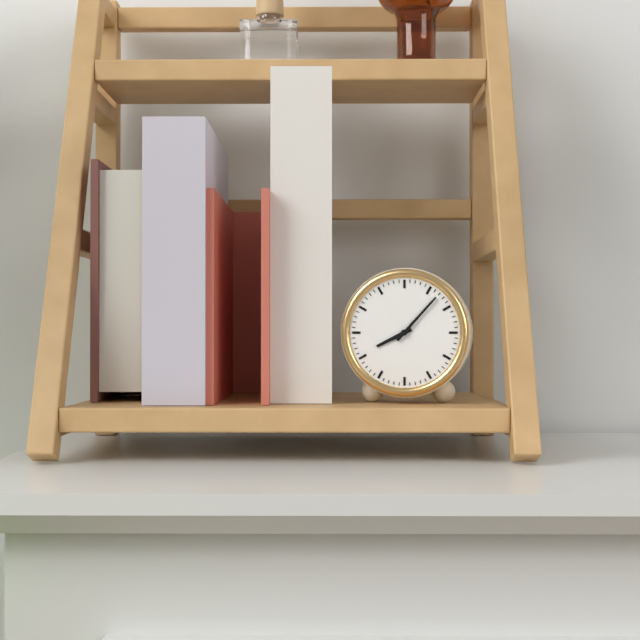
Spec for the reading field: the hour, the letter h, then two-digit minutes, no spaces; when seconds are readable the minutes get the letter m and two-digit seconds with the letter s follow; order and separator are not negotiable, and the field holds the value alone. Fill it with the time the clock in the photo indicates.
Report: 8h07
